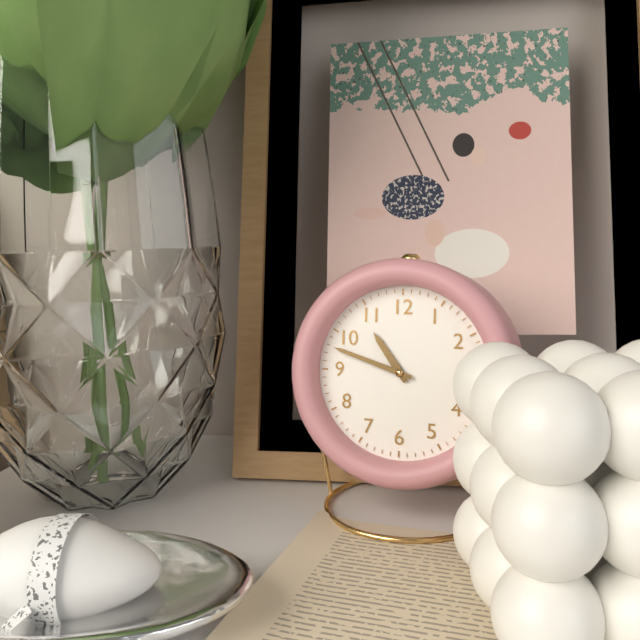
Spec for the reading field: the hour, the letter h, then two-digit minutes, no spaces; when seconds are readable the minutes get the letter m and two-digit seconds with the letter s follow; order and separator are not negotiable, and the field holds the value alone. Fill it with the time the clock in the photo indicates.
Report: 10h48
